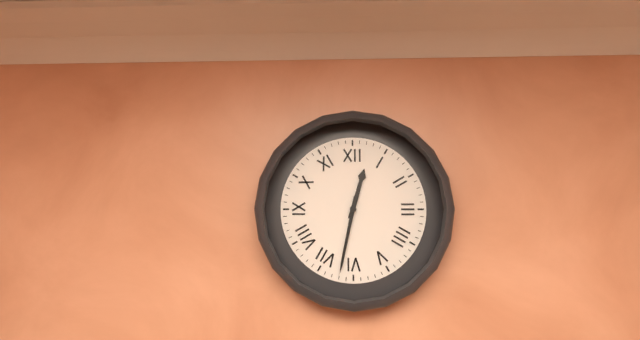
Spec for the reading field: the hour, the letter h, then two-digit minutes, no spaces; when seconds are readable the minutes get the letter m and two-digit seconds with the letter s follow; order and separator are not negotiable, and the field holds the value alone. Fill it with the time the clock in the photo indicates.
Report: 12h32
